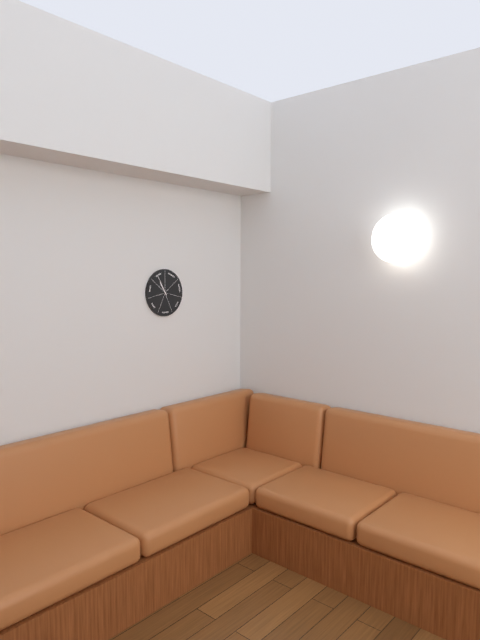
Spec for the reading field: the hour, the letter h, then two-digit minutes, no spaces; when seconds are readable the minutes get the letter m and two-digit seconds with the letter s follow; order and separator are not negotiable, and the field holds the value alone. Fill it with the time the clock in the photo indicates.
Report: 10h55
